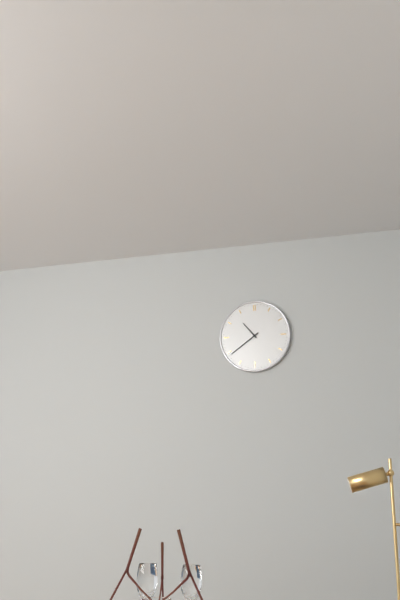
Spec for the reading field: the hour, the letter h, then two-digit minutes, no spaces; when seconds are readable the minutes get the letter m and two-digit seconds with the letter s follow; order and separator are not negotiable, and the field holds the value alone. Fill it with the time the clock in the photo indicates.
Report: 10h39
